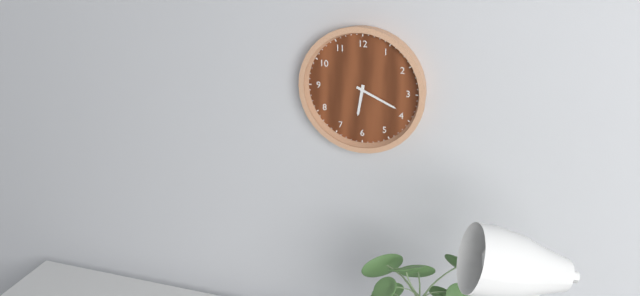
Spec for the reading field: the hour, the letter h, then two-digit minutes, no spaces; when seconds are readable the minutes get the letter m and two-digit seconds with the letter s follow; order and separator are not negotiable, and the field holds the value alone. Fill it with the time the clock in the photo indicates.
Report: 6h19
